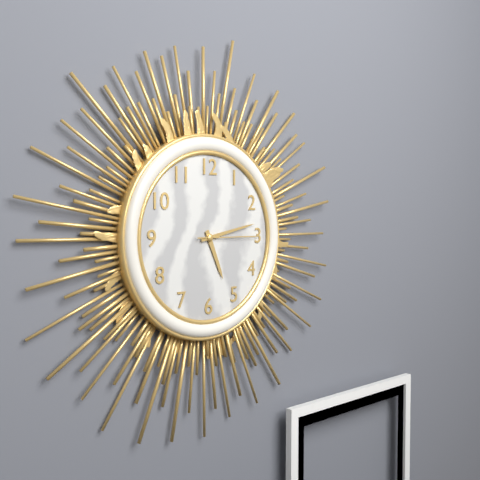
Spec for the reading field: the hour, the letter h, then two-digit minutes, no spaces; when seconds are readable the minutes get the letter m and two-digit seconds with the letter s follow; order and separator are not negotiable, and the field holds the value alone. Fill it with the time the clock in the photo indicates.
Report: 5h13m15s
